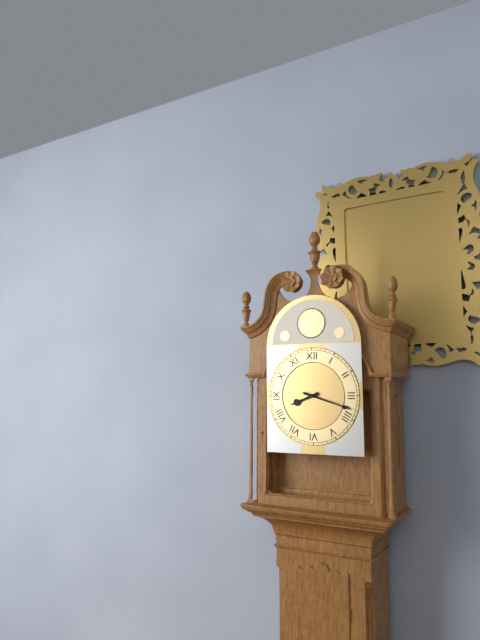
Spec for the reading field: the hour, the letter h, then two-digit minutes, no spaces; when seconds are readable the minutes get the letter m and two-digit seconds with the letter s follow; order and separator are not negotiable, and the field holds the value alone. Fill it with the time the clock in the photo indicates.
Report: 8h18
